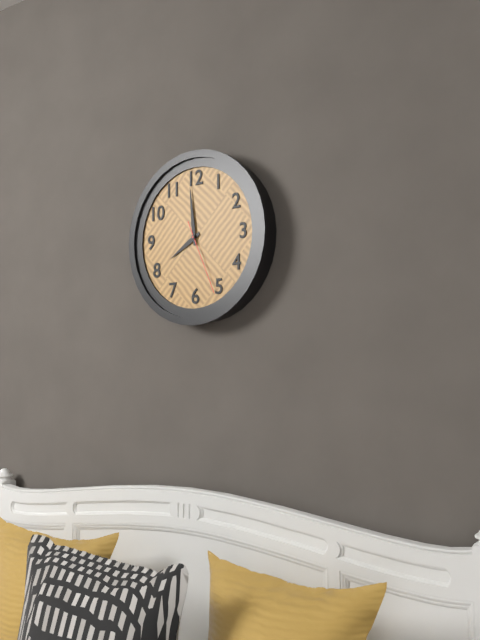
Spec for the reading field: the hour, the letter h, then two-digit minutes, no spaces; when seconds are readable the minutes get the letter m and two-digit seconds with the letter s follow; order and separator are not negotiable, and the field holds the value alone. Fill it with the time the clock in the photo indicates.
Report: 7h59m26s
